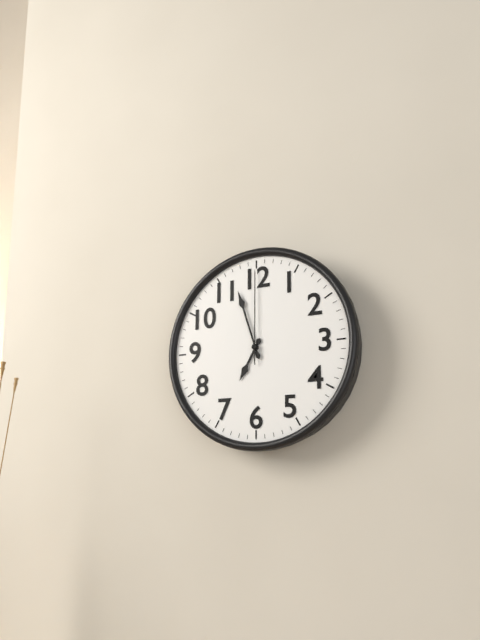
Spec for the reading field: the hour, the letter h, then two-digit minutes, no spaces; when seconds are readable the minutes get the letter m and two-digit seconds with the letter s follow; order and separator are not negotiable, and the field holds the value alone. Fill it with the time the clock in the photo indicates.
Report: 6h57m00s
